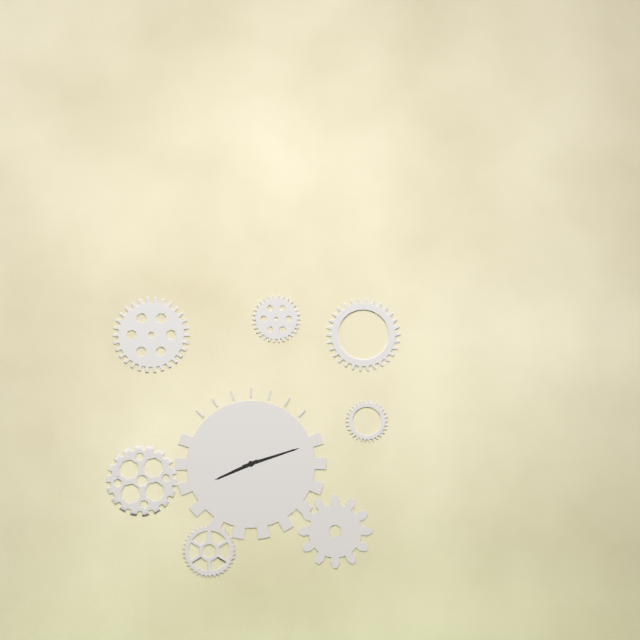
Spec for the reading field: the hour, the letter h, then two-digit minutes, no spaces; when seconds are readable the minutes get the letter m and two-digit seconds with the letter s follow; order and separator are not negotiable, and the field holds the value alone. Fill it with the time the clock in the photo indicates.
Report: 8h12
